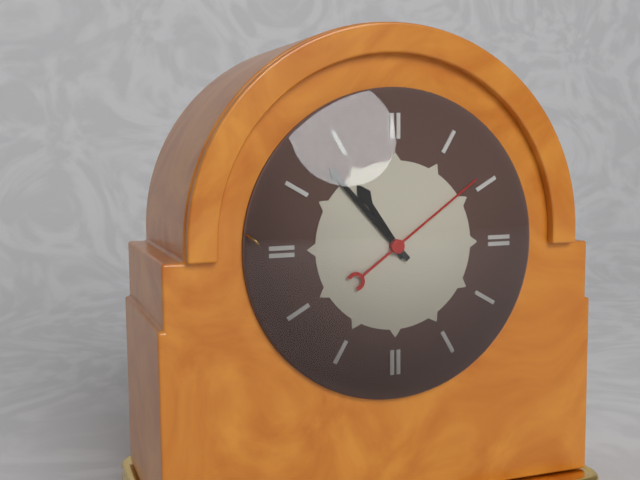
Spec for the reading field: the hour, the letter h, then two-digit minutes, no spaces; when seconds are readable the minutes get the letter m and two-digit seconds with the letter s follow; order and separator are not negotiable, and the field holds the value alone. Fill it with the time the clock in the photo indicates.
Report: 10h53m09s
